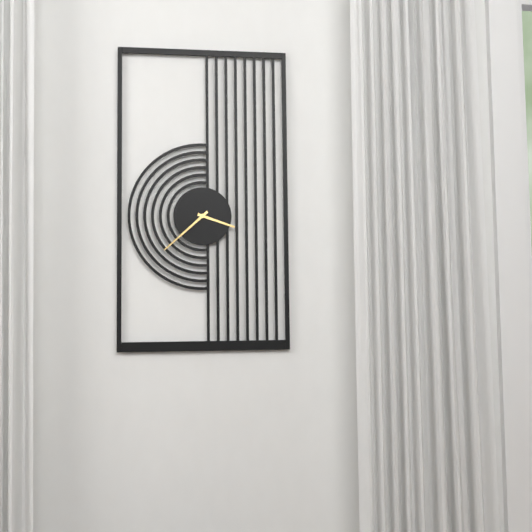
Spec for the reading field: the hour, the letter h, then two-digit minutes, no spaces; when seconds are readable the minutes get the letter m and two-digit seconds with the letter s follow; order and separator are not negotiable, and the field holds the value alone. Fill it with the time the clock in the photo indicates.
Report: 3h38
